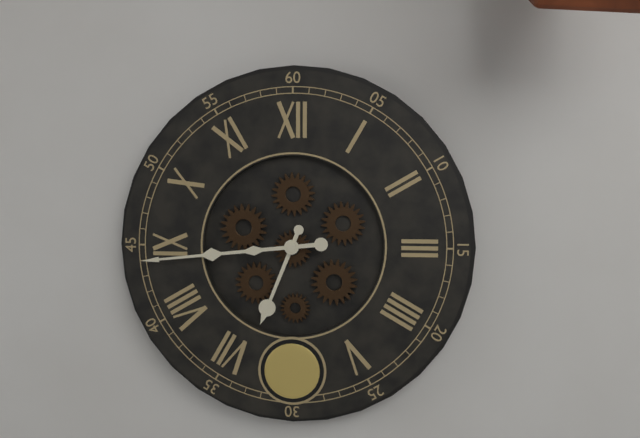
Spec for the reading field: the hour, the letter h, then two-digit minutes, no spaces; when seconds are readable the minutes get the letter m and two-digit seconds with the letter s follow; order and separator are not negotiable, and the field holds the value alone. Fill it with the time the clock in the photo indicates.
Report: 6h44
